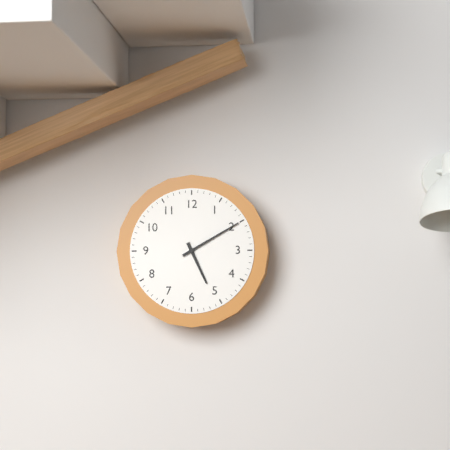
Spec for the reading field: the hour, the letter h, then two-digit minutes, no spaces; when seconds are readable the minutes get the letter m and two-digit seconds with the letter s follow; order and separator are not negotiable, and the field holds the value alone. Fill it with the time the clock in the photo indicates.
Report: 5h10
